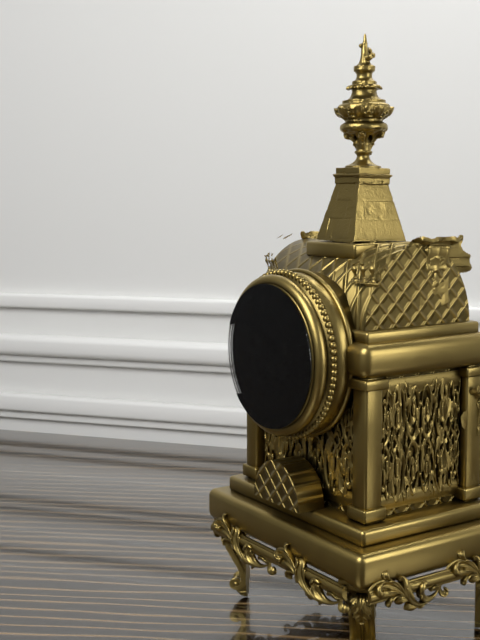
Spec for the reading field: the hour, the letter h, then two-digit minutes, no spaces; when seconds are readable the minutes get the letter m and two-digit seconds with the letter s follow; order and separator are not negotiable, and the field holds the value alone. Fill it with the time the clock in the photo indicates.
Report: 3h19
